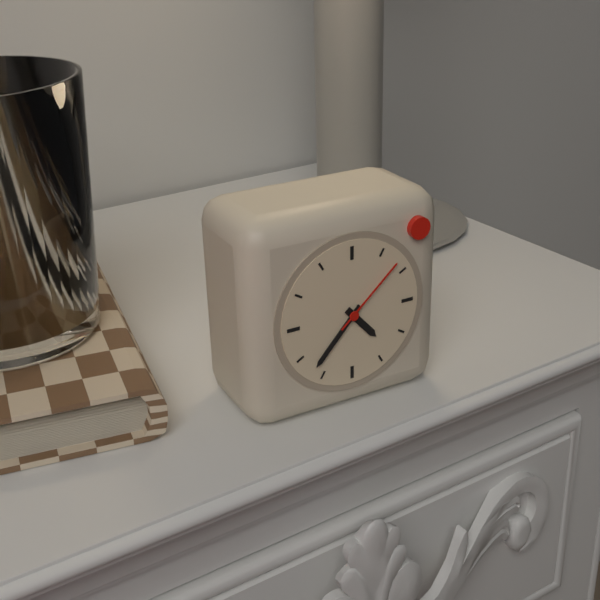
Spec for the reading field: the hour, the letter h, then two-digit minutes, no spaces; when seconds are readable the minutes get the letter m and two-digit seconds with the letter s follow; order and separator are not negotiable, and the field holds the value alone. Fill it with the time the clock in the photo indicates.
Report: 4h37m08s
